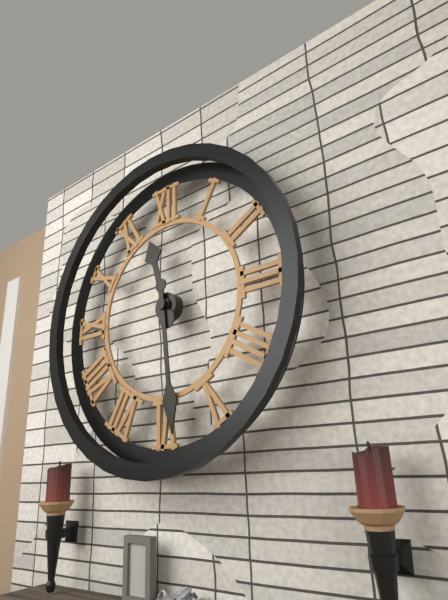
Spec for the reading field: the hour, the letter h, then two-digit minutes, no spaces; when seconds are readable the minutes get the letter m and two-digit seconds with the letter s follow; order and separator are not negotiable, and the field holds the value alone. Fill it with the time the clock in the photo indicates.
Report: 11h29
